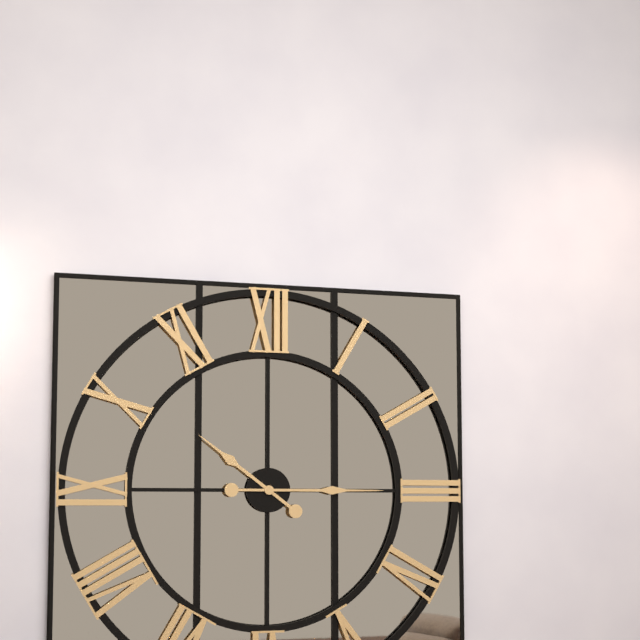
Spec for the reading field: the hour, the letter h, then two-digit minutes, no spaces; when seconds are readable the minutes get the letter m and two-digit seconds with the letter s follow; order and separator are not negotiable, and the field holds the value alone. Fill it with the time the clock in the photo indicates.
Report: 10h15
